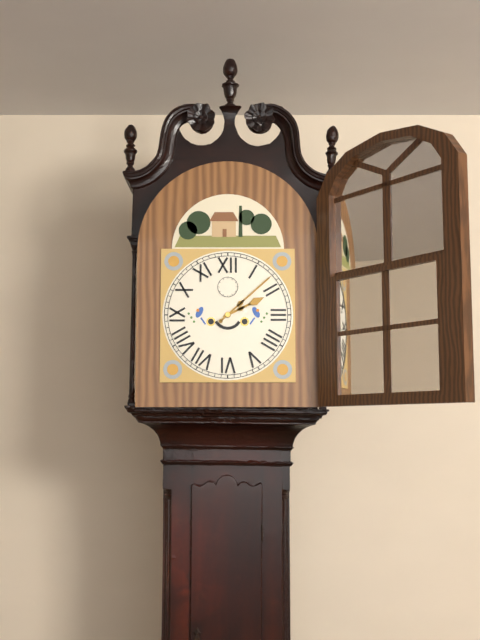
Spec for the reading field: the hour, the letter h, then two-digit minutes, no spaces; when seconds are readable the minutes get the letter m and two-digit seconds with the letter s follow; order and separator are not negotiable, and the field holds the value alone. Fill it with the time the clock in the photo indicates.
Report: 2h08
